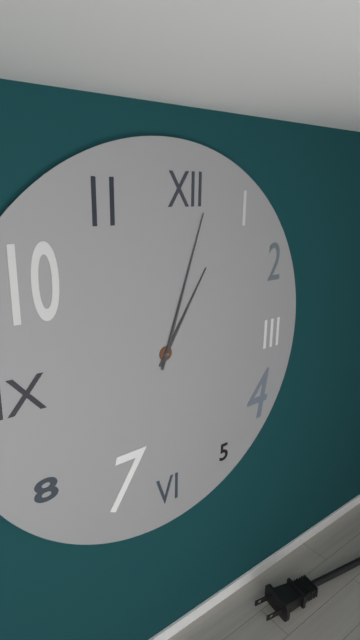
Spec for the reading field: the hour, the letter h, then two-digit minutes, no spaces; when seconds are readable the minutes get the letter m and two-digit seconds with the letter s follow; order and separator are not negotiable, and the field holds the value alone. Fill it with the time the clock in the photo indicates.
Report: 1h03
